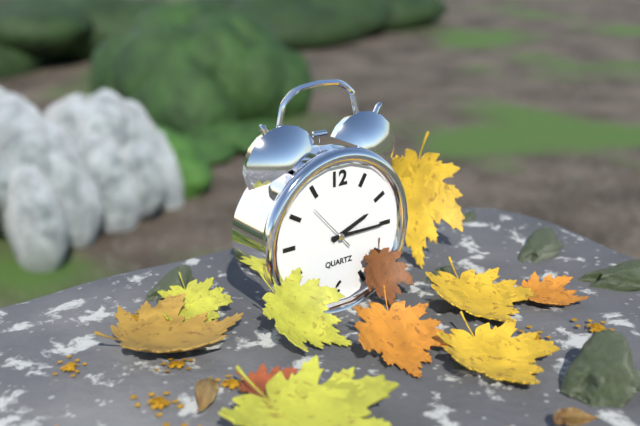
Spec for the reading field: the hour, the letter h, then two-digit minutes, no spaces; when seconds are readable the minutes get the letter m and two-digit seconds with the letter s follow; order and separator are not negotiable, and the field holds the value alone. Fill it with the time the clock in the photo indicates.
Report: 2h15
